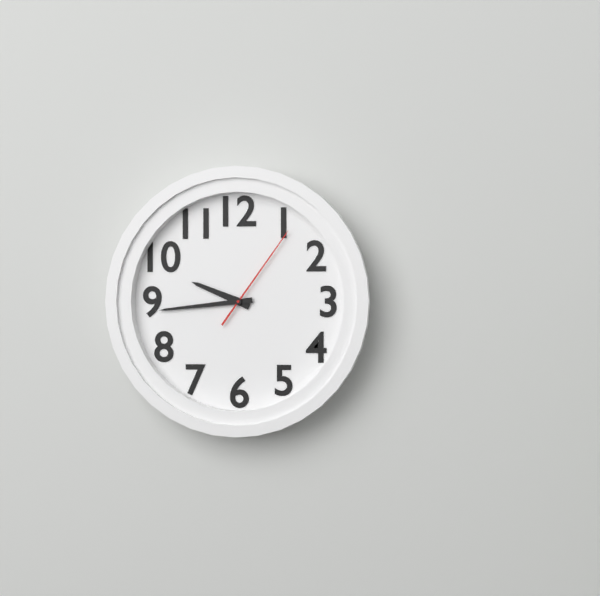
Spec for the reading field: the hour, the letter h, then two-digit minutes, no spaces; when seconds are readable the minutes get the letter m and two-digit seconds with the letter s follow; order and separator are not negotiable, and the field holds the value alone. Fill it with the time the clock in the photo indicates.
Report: 9h44m06s
